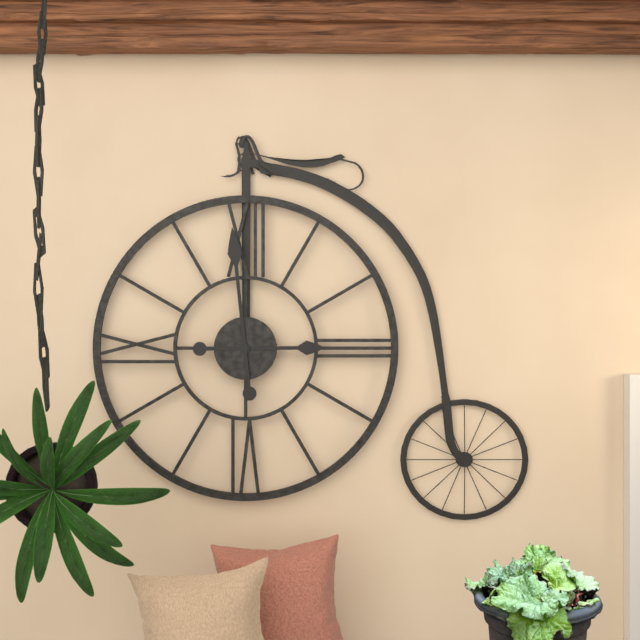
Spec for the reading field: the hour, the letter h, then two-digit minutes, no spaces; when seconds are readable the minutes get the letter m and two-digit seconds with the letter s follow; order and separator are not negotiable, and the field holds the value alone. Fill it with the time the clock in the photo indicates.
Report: 2h59
